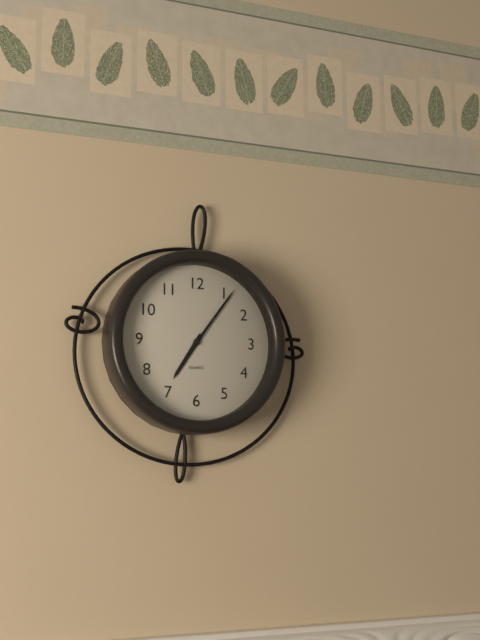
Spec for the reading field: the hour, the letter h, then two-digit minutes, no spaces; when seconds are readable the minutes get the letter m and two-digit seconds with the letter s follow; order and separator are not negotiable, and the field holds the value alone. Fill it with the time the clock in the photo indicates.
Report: 7h06
